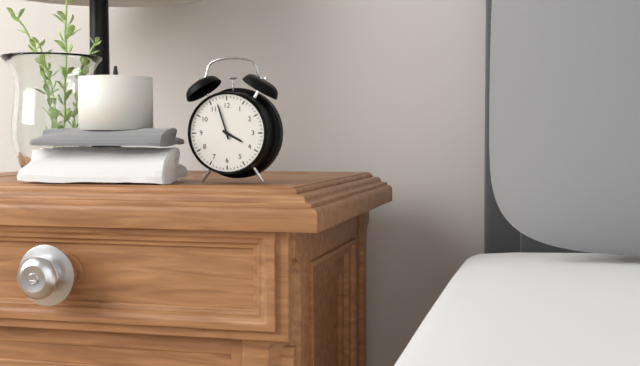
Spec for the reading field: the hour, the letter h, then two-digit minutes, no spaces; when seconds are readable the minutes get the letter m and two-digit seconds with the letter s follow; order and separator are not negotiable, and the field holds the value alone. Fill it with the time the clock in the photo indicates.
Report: 3h57
